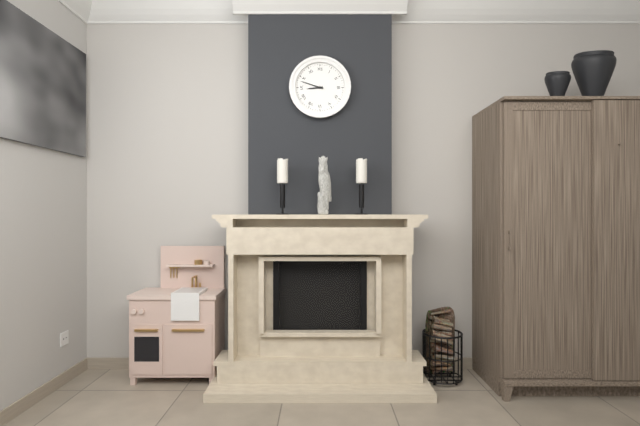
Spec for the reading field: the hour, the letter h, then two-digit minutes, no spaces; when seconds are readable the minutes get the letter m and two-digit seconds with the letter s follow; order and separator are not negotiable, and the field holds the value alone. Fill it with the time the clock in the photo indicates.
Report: 8h48
